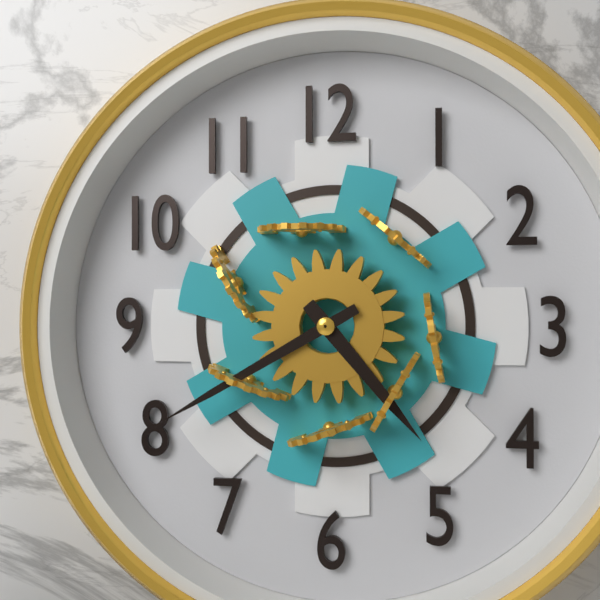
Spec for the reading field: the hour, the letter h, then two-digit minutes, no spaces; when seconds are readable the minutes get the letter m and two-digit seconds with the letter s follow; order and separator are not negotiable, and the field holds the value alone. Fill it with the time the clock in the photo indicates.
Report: 4h40
